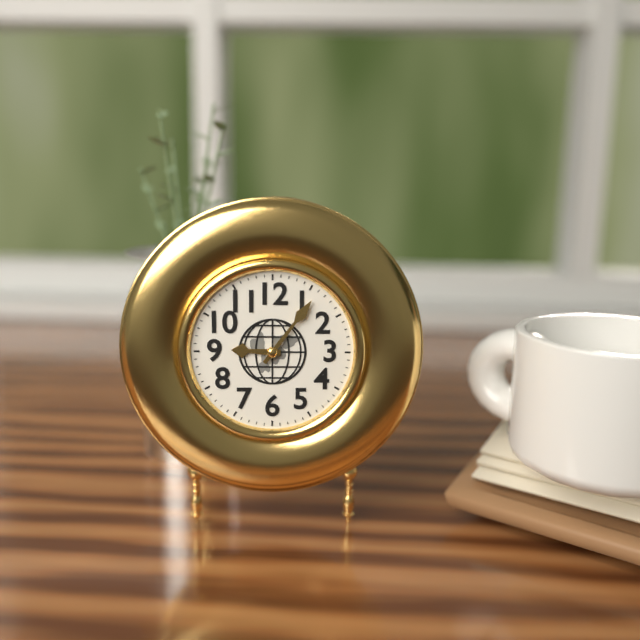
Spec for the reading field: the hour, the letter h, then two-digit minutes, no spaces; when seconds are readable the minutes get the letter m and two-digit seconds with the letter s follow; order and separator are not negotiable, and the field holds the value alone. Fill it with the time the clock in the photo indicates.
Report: 9h06
